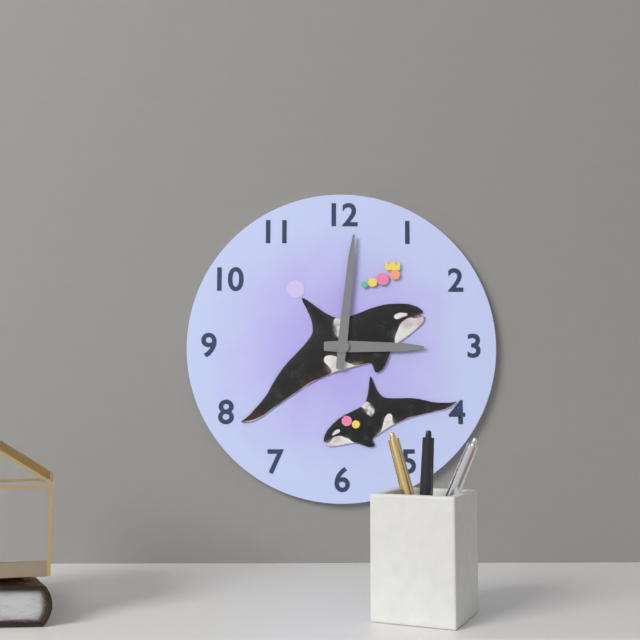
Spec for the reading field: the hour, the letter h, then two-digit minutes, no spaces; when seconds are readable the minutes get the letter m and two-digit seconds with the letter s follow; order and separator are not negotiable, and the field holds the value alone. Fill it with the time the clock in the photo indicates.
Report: 3h01
